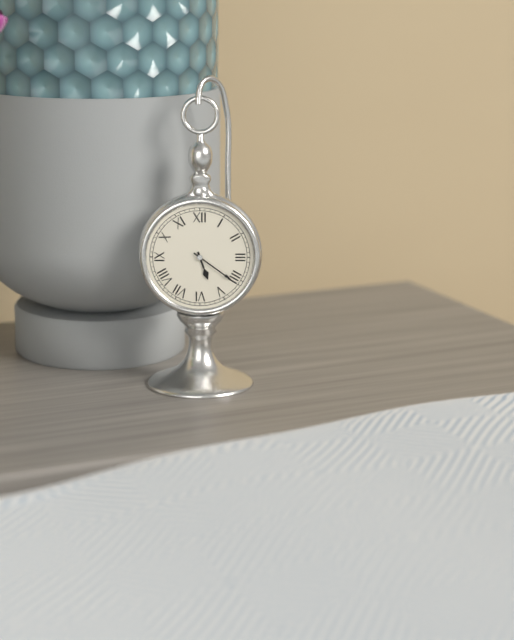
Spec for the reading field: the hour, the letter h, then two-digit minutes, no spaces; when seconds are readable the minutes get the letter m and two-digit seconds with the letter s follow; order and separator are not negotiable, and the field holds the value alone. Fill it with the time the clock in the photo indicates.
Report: 5h21
